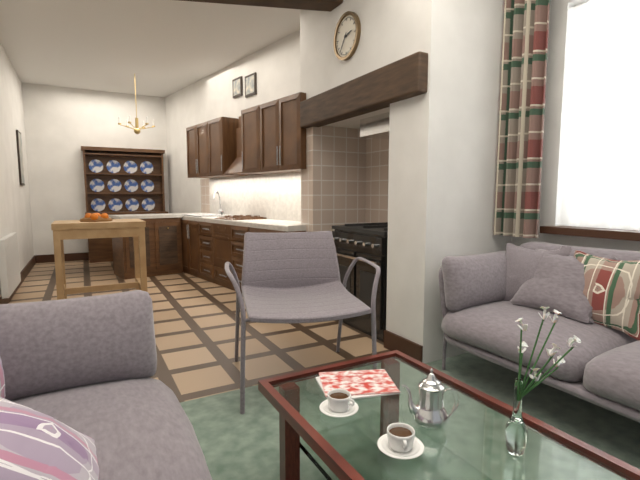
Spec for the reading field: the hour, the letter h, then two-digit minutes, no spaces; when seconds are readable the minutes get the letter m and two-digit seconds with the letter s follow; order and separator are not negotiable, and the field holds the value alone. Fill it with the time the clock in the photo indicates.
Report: 2h36
